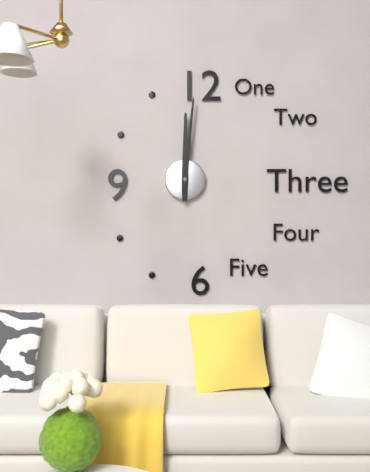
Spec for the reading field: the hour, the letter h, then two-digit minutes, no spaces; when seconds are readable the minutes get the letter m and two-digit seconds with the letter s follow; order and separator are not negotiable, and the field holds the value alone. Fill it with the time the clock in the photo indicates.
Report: 12h01
